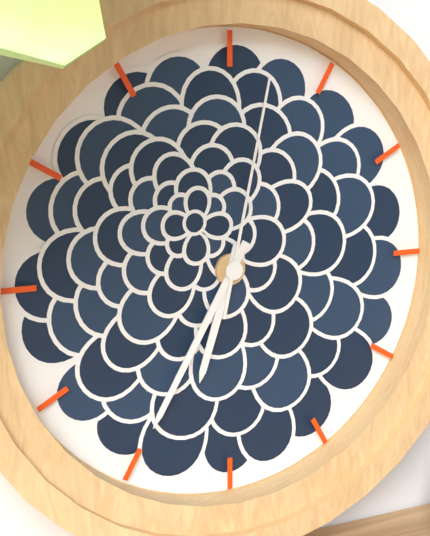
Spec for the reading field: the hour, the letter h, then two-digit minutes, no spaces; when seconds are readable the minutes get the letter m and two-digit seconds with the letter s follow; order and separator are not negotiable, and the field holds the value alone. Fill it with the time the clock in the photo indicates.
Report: 6h35m02s
